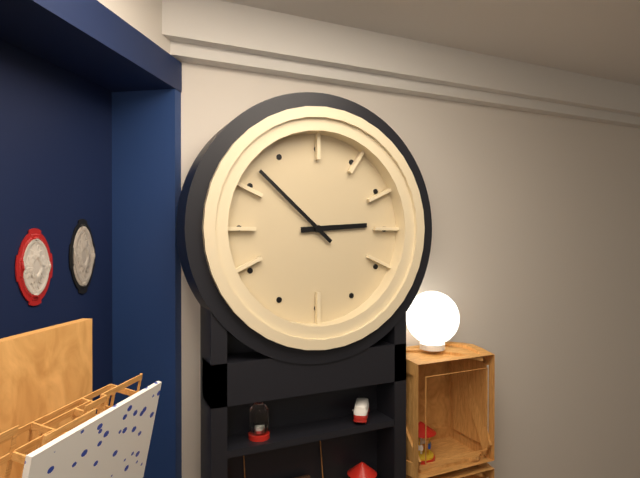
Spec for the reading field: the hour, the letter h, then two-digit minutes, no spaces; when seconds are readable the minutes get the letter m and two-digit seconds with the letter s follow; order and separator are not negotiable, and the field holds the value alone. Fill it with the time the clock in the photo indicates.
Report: 2h52
